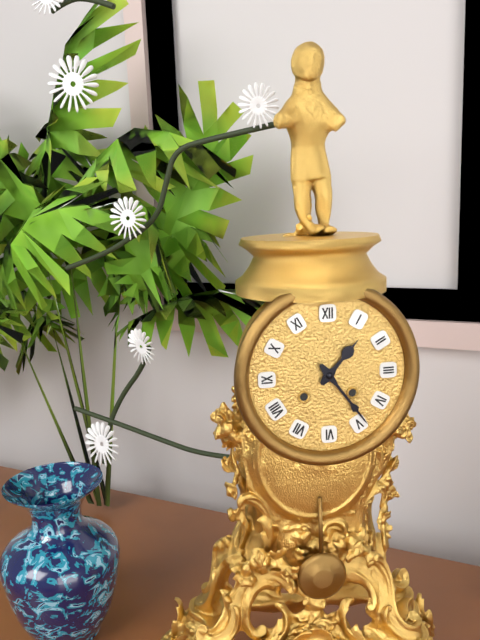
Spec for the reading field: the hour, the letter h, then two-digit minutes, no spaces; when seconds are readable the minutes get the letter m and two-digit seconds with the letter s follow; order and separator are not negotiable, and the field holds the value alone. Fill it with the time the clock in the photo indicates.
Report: 1h24
